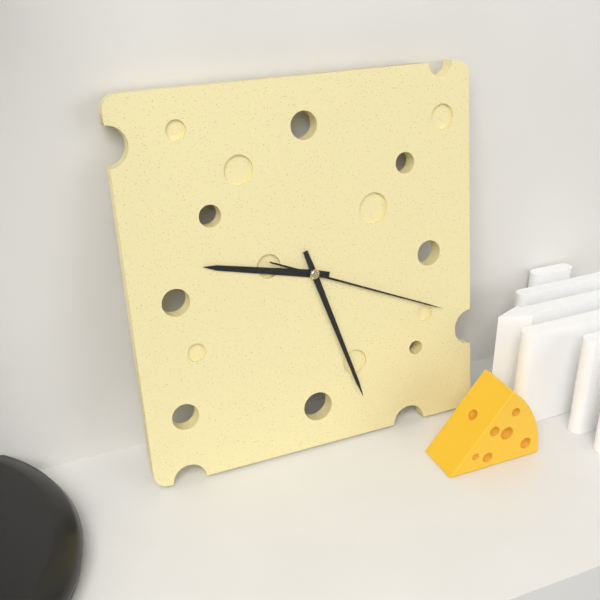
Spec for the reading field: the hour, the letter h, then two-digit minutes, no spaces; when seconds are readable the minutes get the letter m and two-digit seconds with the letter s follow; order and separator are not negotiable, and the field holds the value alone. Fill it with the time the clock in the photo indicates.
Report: 9h27m19s
